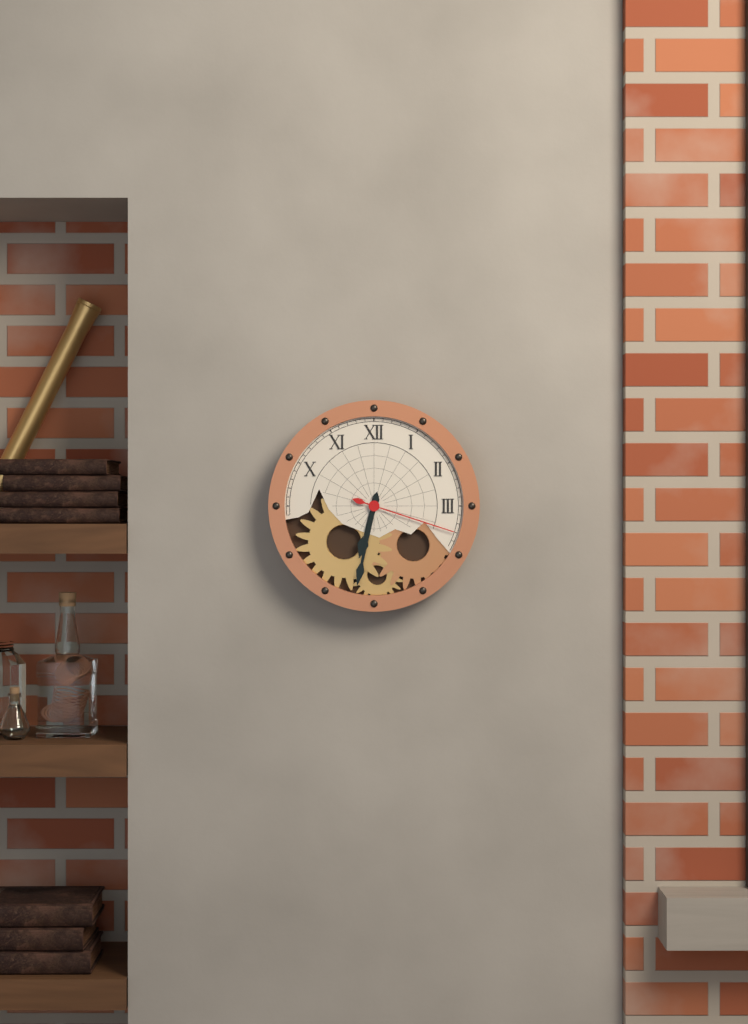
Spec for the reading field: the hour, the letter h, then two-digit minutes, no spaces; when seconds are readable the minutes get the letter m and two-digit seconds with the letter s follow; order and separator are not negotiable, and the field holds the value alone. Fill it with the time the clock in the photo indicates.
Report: 6h32m18s
